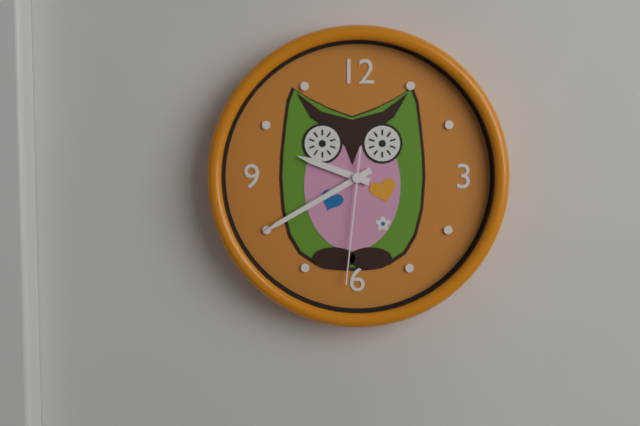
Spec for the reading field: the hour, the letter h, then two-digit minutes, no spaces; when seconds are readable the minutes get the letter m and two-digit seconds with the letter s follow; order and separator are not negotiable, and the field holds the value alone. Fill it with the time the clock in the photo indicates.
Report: 9h40m31s
